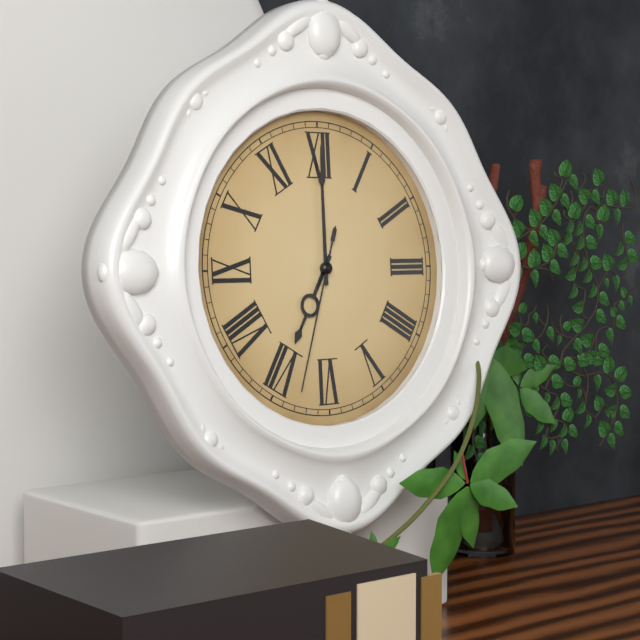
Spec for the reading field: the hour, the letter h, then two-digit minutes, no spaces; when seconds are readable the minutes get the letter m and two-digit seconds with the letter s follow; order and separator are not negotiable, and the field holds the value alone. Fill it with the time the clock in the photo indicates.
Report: 7h00m33s
